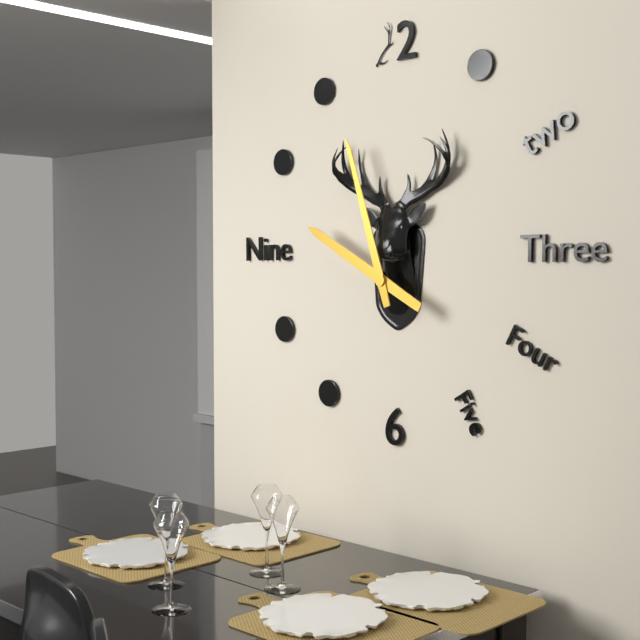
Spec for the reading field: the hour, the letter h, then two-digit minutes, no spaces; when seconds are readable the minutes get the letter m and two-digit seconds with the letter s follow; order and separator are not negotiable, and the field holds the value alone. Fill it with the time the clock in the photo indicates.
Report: 9h57
